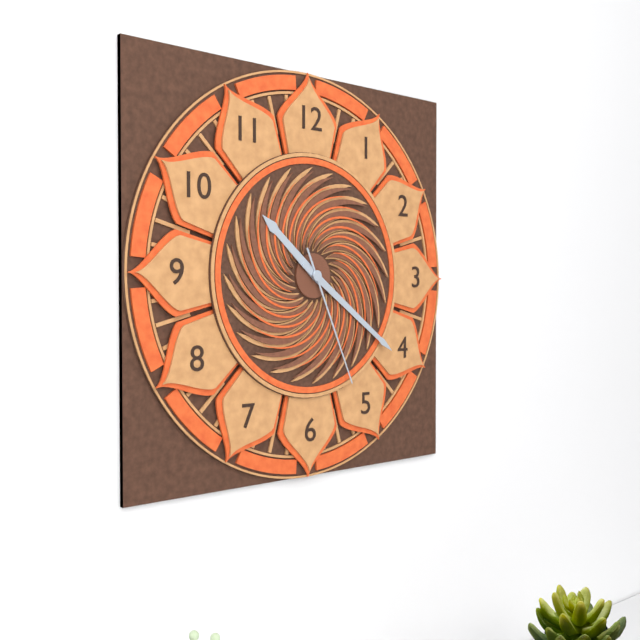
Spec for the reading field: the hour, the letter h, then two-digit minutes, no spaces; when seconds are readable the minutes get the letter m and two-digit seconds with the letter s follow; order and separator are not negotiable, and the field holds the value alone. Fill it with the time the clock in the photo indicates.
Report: 10h21m26s
